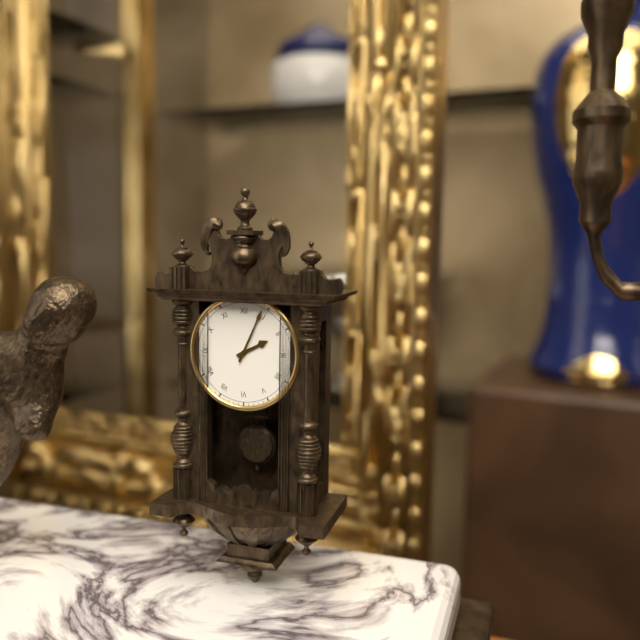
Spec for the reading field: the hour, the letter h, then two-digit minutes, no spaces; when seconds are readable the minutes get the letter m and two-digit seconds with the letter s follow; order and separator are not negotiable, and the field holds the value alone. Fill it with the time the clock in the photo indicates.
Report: 2h04
